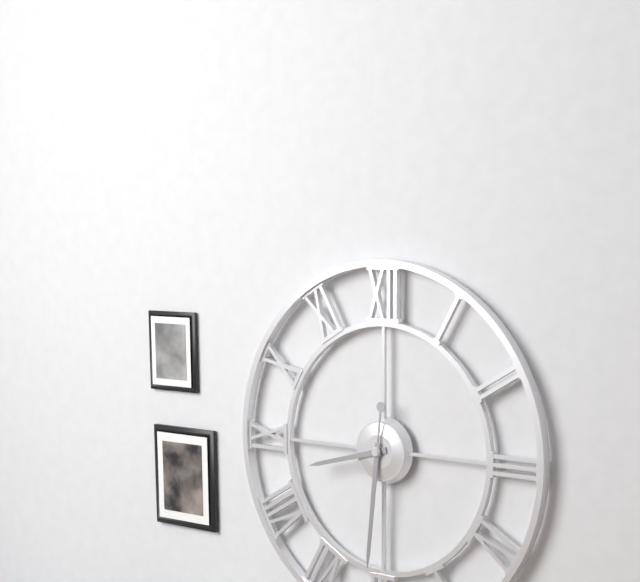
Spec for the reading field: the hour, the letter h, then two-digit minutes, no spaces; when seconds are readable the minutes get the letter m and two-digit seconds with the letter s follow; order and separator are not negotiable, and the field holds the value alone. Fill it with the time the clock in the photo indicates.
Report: 8h31
